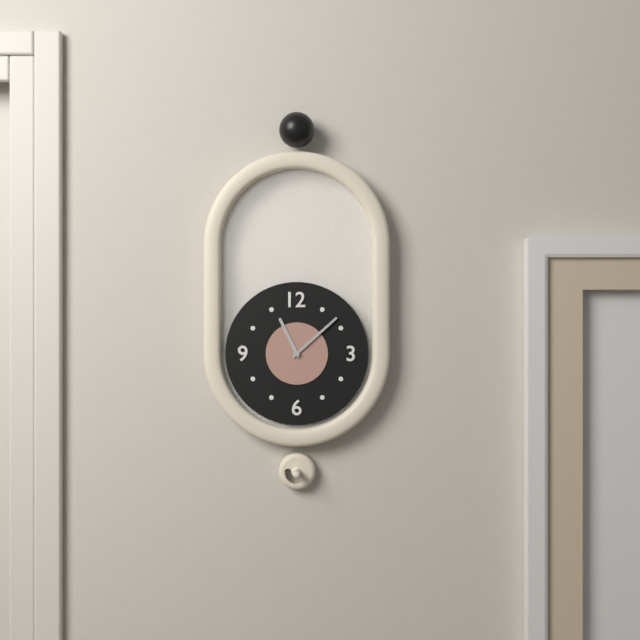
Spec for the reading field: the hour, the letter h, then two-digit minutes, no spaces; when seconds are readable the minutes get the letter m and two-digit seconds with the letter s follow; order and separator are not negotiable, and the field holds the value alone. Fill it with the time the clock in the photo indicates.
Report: 11h08
